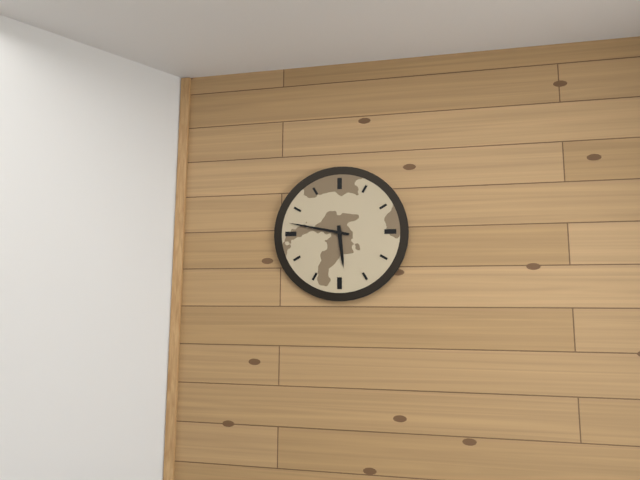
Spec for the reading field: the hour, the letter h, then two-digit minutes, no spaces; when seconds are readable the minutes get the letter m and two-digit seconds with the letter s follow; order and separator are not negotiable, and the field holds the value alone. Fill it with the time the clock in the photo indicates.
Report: 5h47
